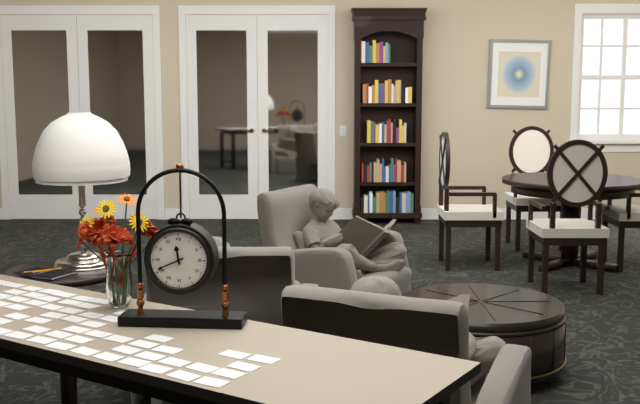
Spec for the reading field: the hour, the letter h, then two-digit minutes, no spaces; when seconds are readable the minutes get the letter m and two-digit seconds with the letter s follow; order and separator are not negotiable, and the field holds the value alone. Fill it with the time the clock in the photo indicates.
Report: 11h41
